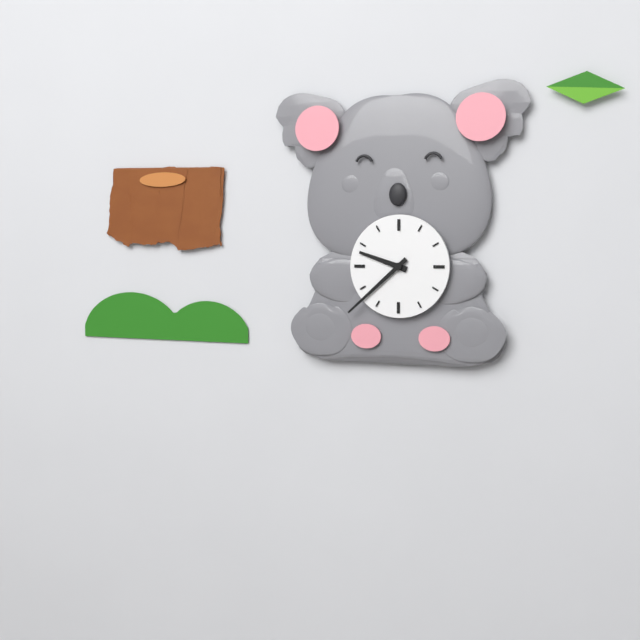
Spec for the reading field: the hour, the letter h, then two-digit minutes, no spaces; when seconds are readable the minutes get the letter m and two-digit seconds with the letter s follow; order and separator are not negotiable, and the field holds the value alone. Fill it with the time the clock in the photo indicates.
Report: 9h38
